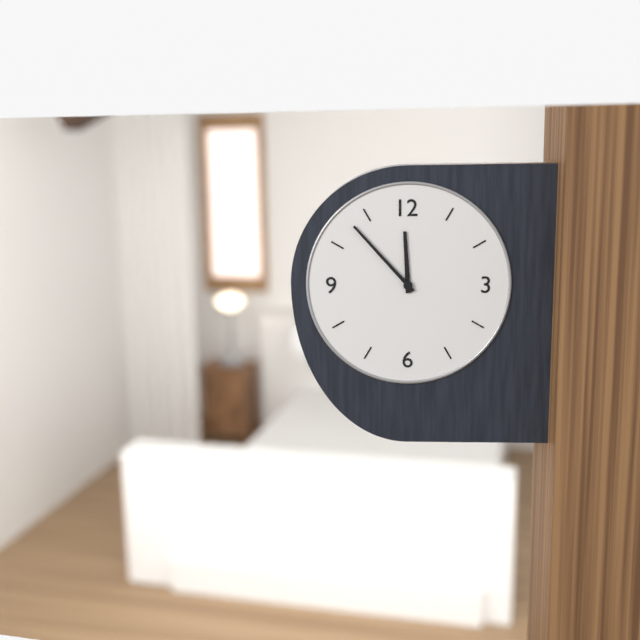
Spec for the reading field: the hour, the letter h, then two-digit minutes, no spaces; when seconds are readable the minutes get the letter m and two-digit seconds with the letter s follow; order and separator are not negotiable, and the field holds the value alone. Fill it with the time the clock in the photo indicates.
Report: 11h53
